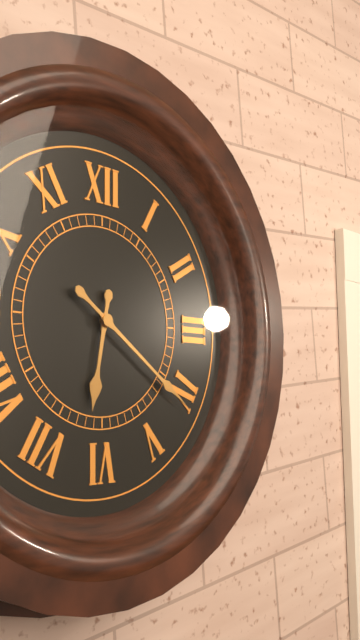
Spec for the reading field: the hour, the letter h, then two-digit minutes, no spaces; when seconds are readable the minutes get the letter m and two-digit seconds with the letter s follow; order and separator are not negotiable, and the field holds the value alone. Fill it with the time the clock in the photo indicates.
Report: 6h21
